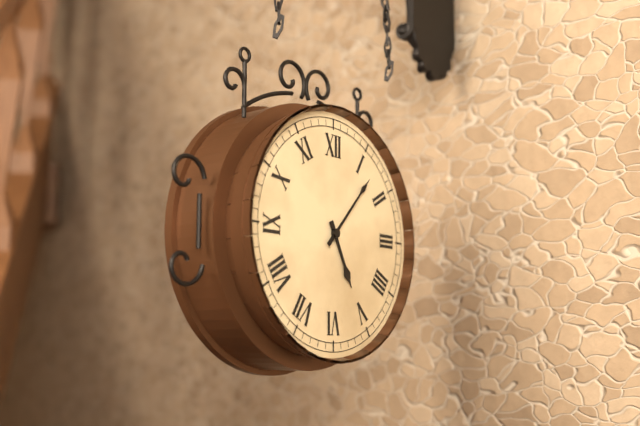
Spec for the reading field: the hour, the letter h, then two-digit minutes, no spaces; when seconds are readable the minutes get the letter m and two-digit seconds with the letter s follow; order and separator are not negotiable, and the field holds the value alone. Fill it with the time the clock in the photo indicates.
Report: 5h07
